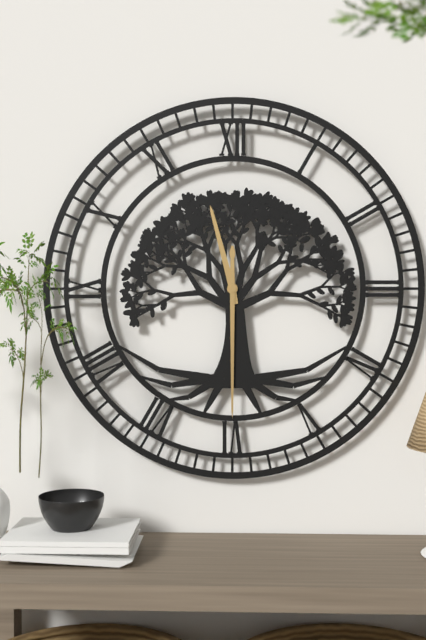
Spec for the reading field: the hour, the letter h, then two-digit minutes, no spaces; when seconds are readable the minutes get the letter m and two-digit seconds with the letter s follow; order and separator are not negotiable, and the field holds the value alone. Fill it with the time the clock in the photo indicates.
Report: 11h30
